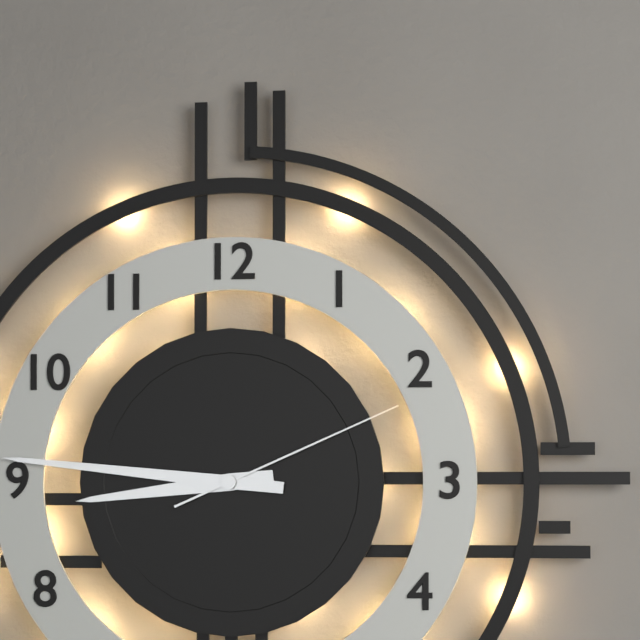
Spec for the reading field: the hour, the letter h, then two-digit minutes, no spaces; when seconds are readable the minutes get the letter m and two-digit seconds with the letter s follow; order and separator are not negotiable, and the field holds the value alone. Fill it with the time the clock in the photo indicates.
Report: 8h46m11s
